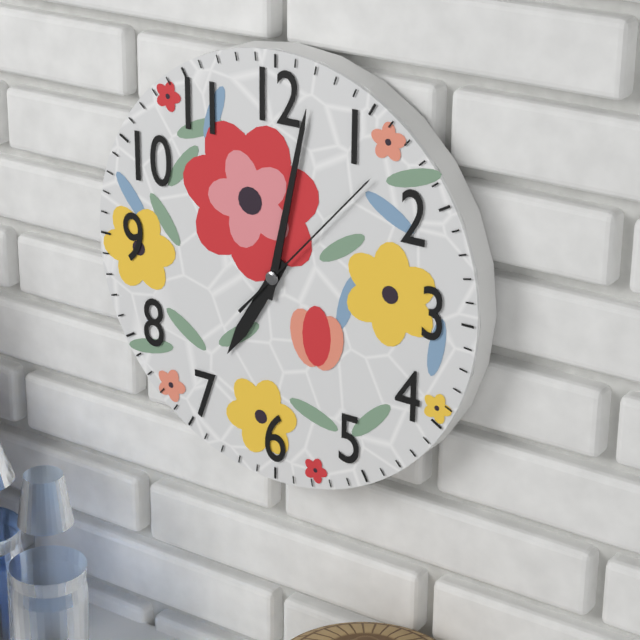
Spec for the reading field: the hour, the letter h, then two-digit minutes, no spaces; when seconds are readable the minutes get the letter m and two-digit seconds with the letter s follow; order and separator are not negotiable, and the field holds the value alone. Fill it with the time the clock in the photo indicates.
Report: 7h02m07s
